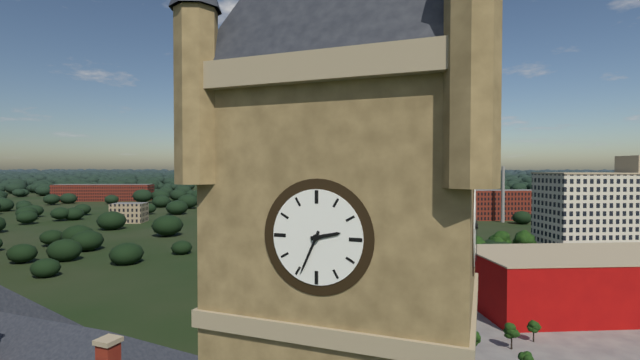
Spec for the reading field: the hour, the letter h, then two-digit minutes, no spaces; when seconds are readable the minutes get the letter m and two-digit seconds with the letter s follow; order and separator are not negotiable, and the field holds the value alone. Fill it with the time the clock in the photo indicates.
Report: 2h34
